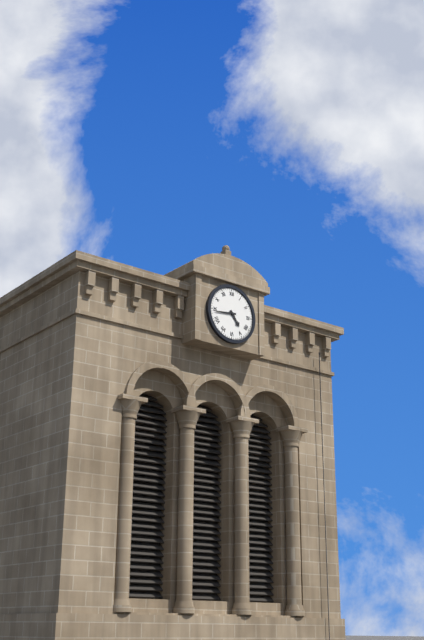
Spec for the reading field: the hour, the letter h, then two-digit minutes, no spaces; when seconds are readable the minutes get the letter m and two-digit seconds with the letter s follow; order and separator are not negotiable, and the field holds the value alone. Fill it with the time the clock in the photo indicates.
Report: 4h44
